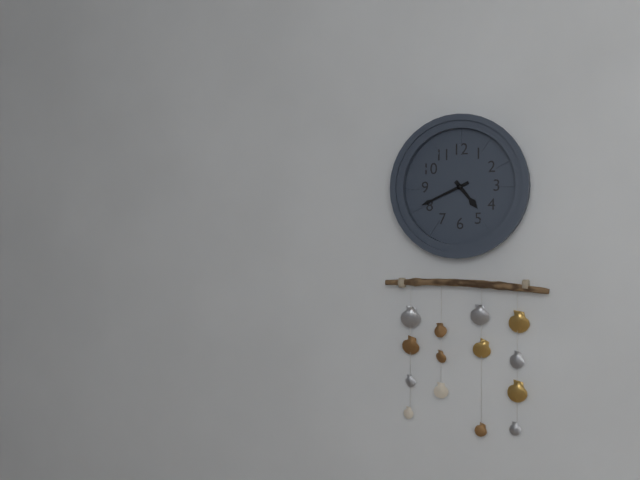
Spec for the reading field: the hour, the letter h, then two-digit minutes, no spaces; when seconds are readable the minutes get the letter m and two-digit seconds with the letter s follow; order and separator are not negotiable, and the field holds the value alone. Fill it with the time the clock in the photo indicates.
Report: 4h41
